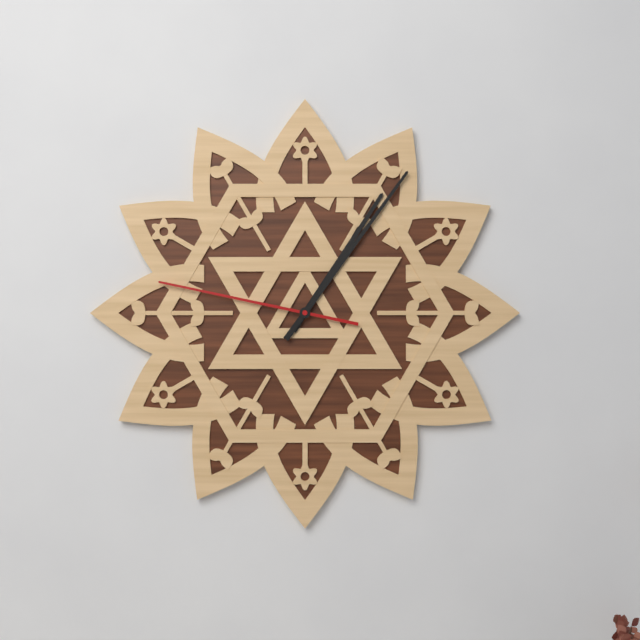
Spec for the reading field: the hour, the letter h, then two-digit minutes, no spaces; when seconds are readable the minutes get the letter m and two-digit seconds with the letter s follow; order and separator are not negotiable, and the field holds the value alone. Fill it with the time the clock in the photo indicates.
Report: 1h06m47s
